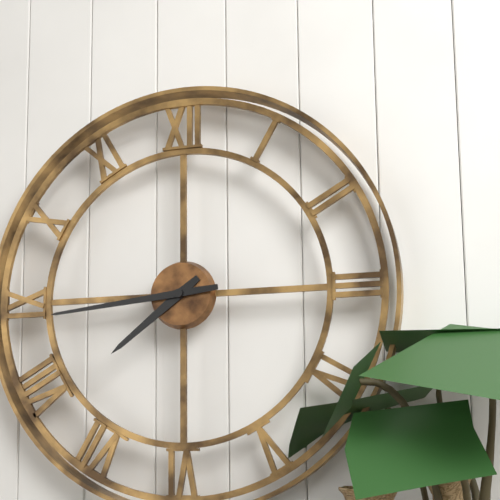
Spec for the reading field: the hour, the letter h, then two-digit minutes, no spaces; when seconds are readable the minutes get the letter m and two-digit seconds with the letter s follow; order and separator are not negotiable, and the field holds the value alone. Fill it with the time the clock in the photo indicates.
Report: 7h44
